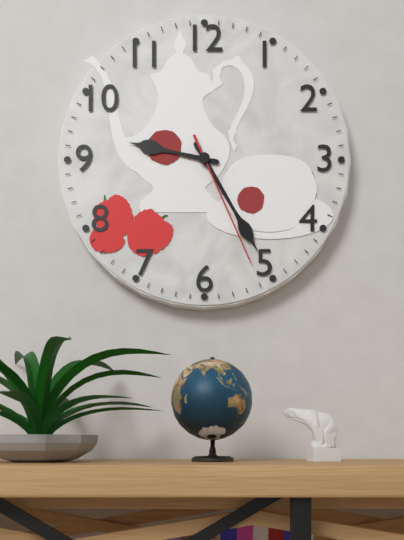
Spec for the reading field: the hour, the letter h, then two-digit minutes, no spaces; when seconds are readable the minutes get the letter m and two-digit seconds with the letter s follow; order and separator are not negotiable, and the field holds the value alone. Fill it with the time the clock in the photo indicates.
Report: 9h25m26s
